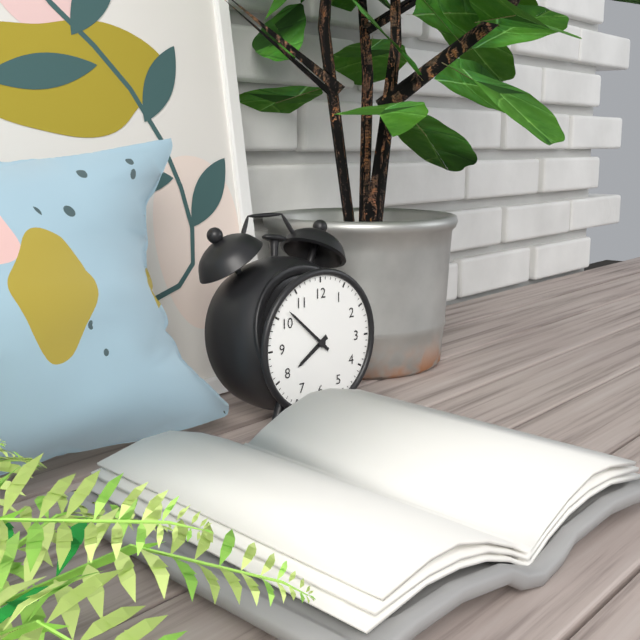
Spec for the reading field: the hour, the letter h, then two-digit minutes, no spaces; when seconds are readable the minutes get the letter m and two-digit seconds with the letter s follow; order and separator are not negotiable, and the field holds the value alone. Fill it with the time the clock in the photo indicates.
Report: 7h52
